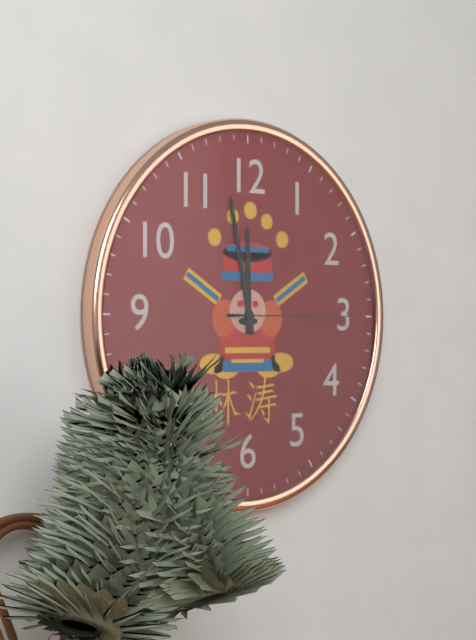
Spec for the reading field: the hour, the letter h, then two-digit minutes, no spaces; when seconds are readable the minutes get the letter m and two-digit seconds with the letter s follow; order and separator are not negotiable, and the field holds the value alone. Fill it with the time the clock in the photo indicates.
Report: 11h58m15s
